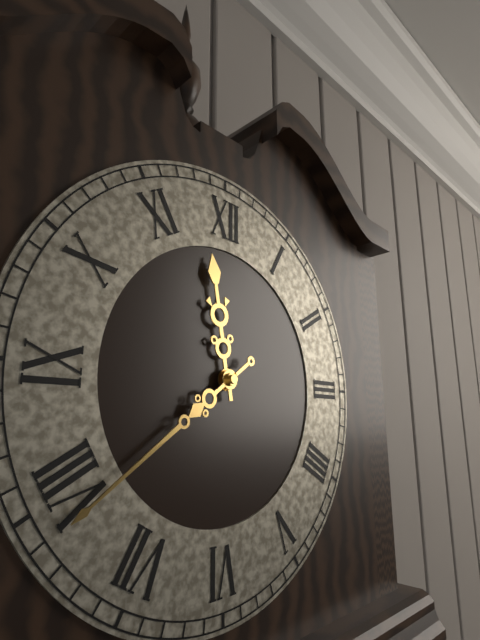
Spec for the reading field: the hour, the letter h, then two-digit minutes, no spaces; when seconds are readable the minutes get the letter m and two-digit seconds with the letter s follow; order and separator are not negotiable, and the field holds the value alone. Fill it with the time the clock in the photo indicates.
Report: 11h39
